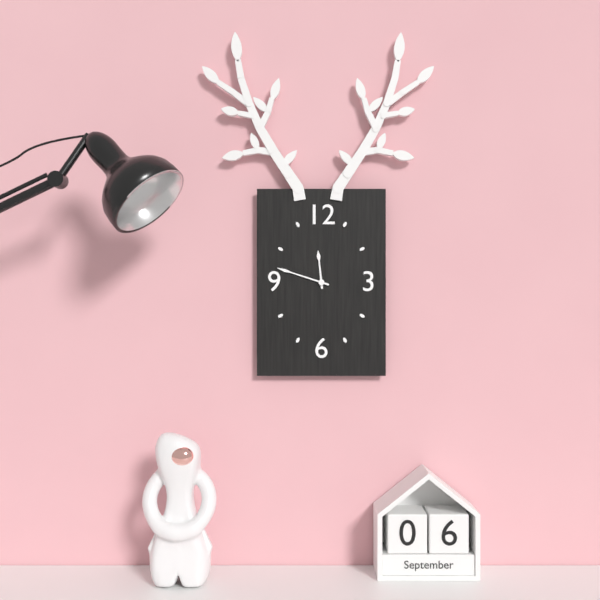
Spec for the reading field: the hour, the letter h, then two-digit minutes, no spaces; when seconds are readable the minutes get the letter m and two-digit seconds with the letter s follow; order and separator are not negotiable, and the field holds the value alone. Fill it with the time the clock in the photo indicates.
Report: 11h48
